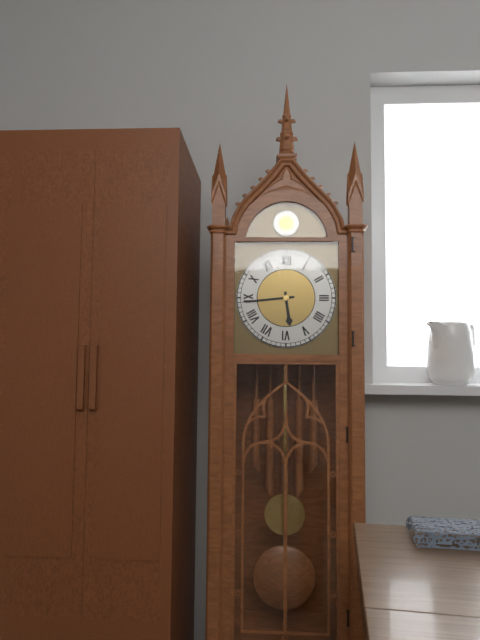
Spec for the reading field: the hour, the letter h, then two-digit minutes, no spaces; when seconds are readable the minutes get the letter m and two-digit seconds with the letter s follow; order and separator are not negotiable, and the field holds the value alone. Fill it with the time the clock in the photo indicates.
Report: 5h44
